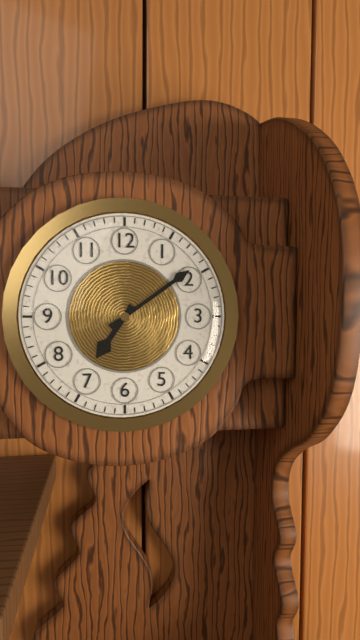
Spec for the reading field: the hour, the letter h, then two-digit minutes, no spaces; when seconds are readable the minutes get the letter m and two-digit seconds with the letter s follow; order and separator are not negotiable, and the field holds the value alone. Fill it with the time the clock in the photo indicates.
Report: 7h09
